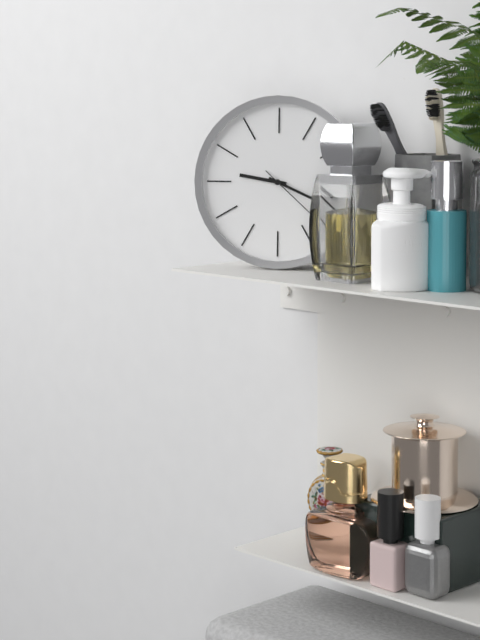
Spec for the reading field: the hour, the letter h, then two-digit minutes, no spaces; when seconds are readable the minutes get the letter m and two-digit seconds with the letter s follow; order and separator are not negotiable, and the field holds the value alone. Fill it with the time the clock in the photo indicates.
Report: 9h19m22s
